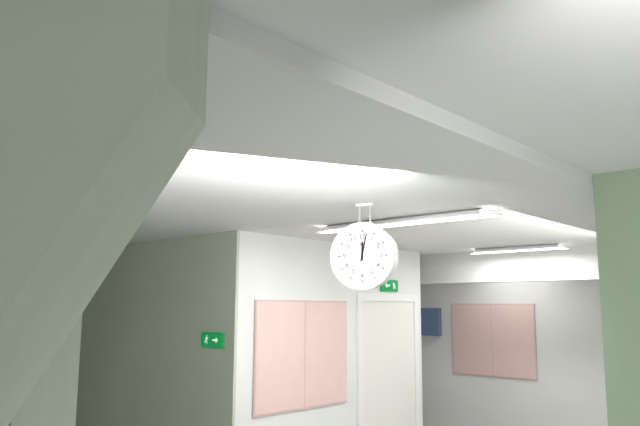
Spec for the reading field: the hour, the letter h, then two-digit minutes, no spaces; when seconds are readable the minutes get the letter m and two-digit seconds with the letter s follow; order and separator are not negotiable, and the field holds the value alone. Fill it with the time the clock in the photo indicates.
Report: 12h02
